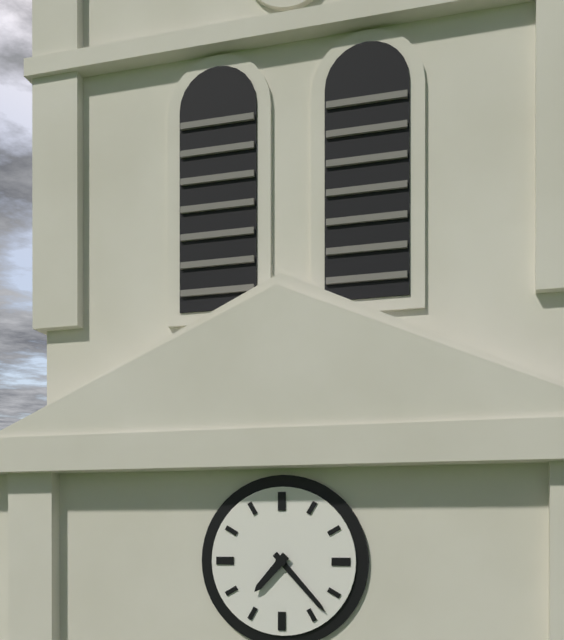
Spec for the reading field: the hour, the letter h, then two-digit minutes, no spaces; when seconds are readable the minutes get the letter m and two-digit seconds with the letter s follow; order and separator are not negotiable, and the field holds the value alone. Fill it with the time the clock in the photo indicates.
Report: 7h23
